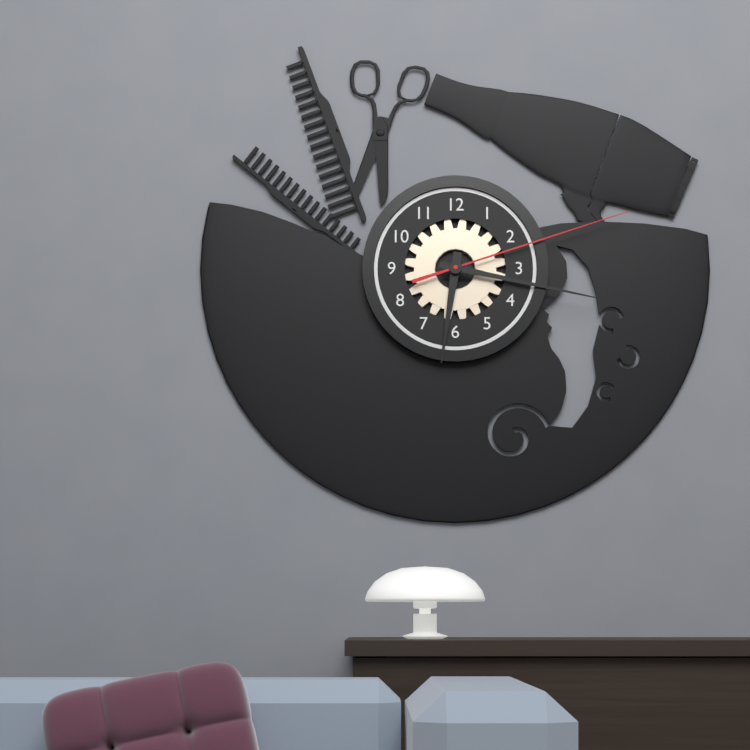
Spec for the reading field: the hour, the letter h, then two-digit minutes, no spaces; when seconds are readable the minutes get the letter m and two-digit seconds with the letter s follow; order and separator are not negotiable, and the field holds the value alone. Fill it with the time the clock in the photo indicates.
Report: 6h17m12s
